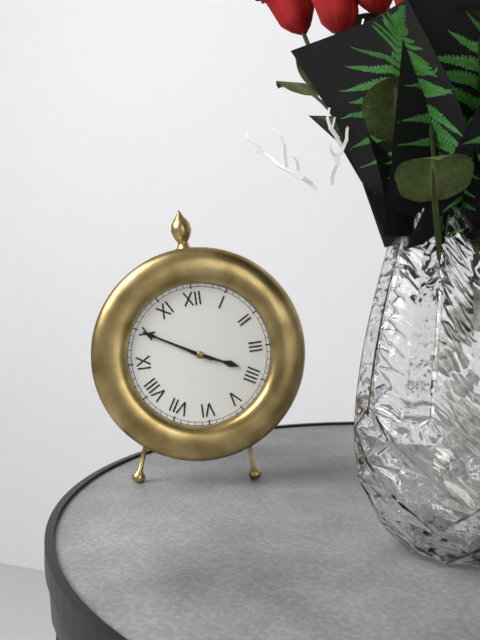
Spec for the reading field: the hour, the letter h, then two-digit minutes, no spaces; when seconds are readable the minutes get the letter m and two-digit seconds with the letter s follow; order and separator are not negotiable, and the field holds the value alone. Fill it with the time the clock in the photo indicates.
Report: 3h50
